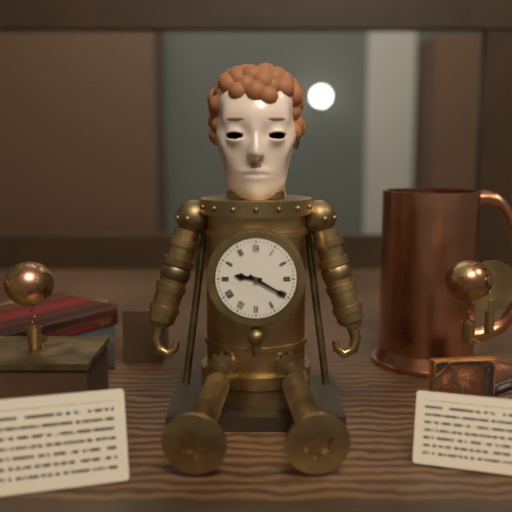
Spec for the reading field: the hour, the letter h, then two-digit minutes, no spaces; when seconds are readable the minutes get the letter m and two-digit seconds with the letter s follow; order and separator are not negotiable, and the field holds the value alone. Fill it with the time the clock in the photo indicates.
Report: 9h20
